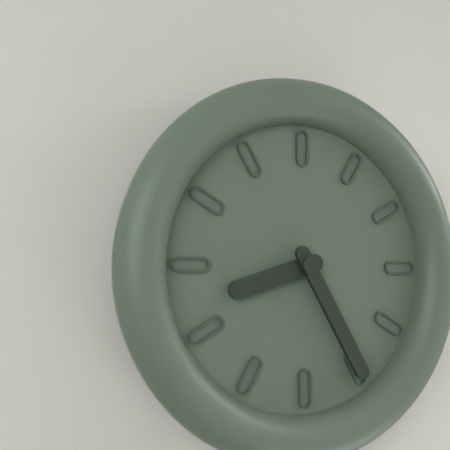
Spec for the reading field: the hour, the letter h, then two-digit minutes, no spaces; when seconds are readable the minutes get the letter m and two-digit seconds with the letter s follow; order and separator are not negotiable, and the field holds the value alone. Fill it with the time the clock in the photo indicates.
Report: 8h25
